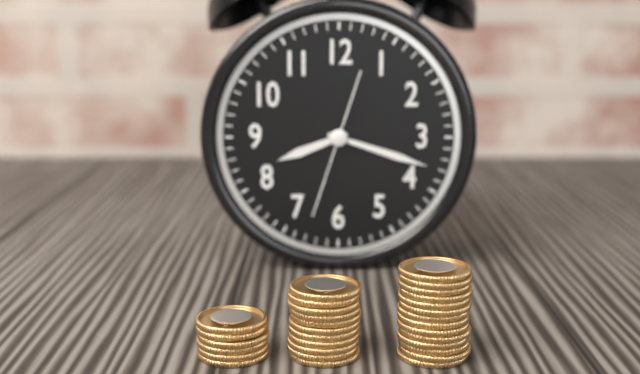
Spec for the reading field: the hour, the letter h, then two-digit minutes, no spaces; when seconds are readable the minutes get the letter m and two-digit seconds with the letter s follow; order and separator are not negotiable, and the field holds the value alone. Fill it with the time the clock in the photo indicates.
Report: 8h18m33s
